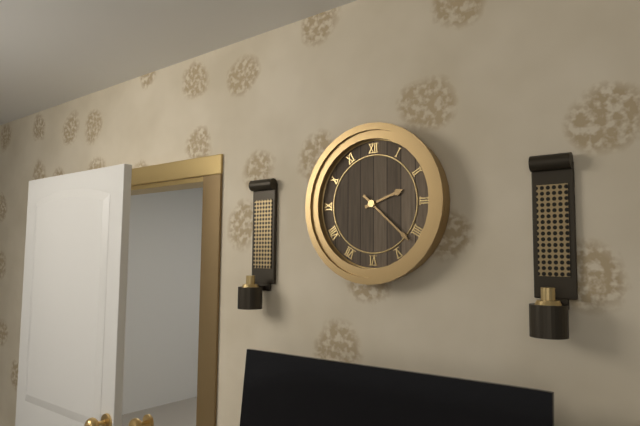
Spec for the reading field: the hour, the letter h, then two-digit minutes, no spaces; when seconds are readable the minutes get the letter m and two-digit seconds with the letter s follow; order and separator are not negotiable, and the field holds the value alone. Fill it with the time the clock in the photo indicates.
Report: 2h22
